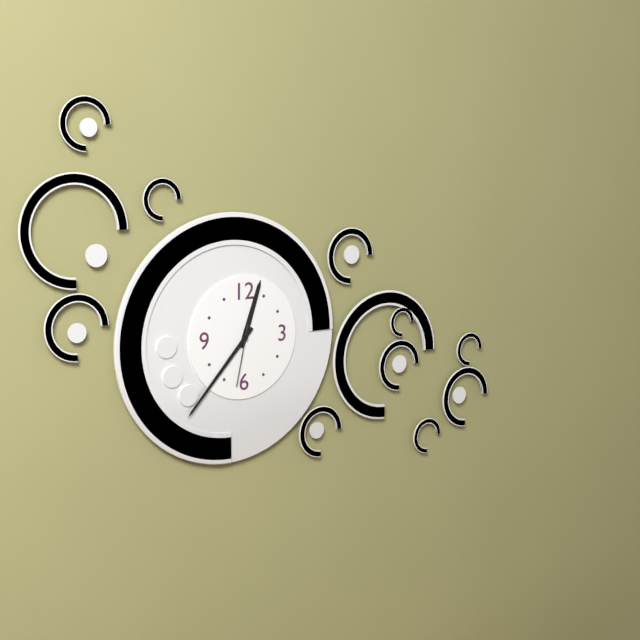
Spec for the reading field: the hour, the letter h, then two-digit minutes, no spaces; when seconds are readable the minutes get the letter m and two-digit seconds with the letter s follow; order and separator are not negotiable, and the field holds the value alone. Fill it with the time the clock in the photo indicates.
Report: 12h37m32s
